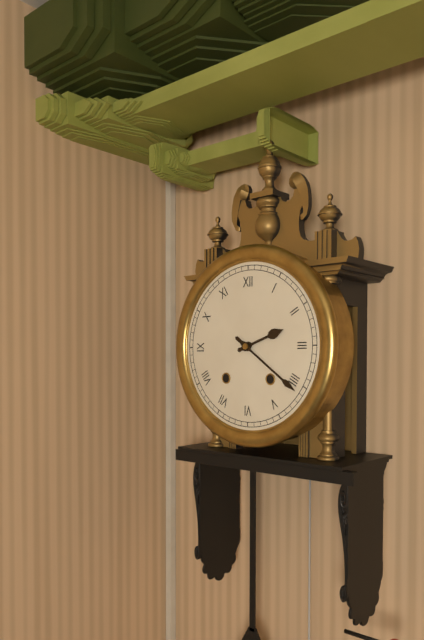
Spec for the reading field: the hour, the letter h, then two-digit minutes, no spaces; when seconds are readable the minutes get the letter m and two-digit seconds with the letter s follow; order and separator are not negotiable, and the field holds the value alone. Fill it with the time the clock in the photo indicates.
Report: 2h21
